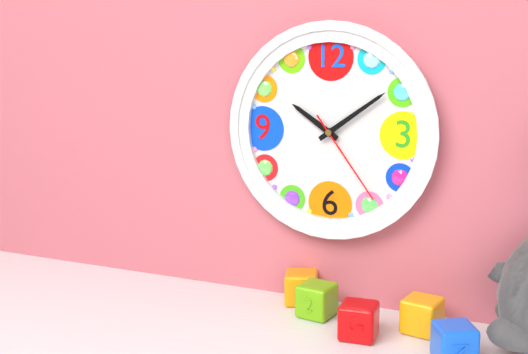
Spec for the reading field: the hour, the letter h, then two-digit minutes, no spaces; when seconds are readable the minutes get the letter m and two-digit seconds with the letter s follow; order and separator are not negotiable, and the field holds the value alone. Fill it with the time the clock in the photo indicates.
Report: 10h09m24s
